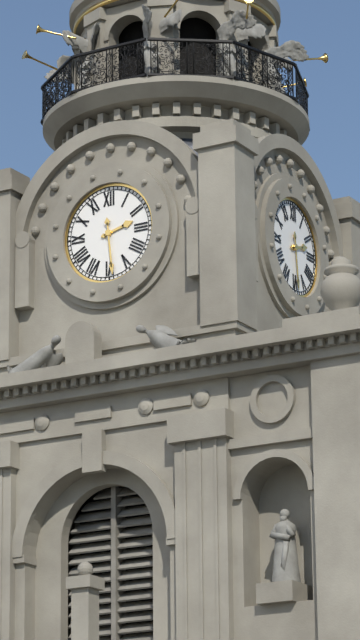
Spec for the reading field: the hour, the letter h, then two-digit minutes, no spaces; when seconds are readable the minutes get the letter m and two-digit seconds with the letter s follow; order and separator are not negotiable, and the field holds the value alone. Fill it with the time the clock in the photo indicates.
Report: 2h29
